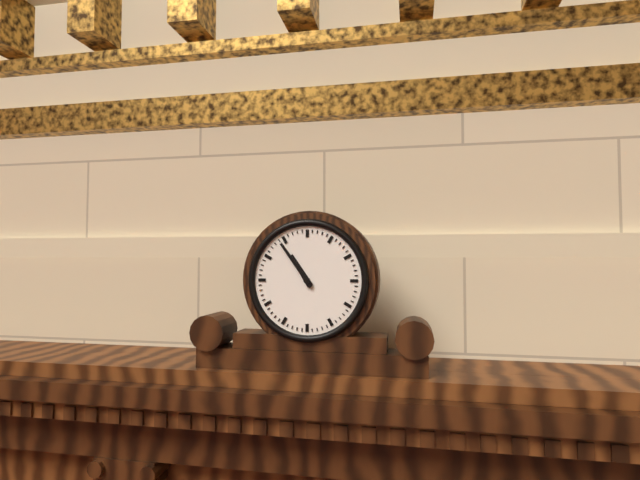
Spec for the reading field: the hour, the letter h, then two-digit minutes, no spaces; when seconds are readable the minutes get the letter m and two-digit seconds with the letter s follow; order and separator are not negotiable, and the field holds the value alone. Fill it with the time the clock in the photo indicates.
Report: 10h54
